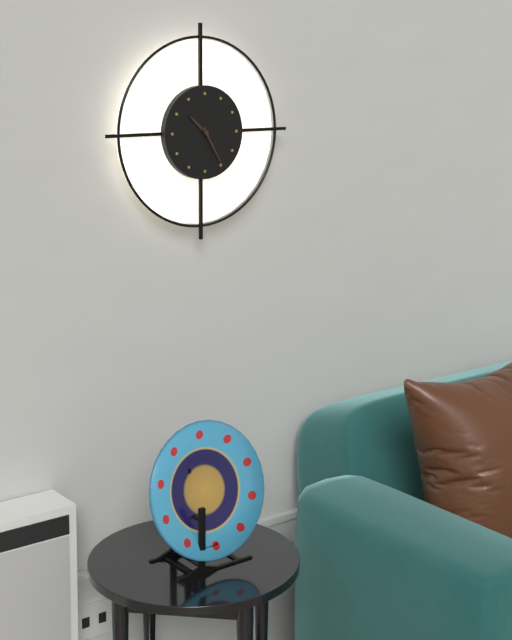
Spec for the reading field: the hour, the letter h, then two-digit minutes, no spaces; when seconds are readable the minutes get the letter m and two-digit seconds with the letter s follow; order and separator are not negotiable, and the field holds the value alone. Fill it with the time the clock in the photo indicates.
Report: 10h25
